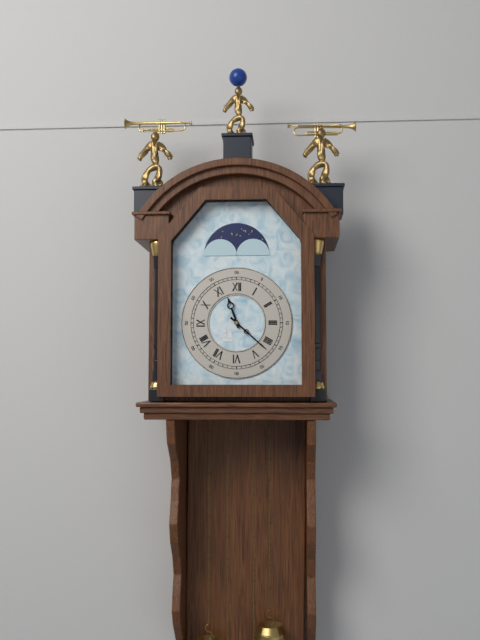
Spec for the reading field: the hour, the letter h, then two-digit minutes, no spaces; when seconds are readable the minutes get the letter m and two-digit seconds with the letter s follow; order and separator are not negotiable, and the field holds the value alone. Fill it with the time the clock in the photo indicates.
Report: 11h22
